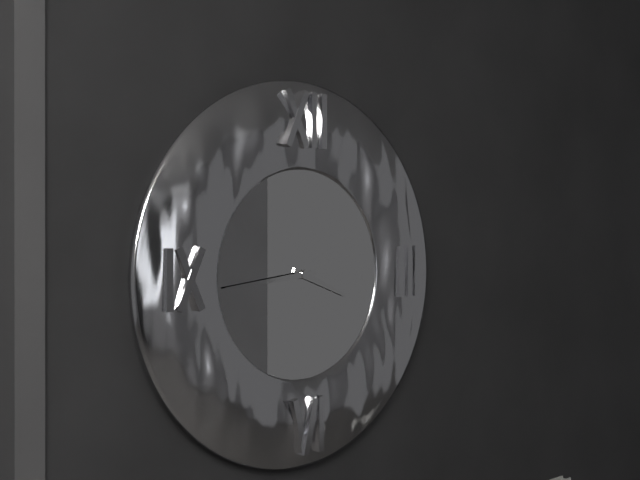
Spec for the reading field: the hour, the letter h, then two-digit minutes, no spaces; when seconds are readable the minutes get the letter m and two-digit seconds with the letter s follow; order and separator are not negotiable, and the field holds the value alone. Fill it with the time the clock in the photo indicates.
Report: 3h44
